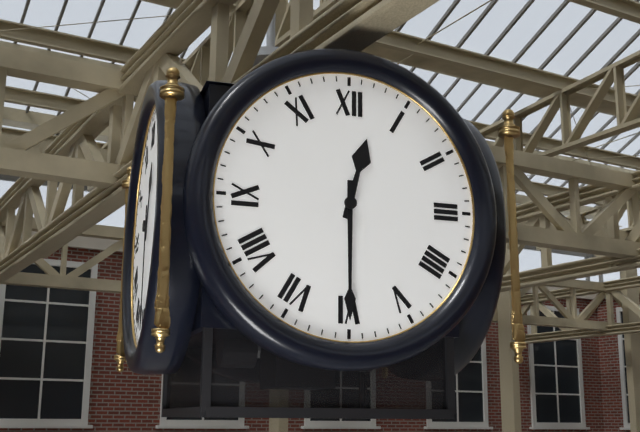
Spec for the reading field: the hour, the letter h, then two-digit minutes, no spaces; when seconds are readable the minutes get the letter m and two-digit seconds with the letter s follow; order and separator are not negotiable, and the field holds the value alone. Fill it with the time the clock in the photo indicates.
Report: 12h30
